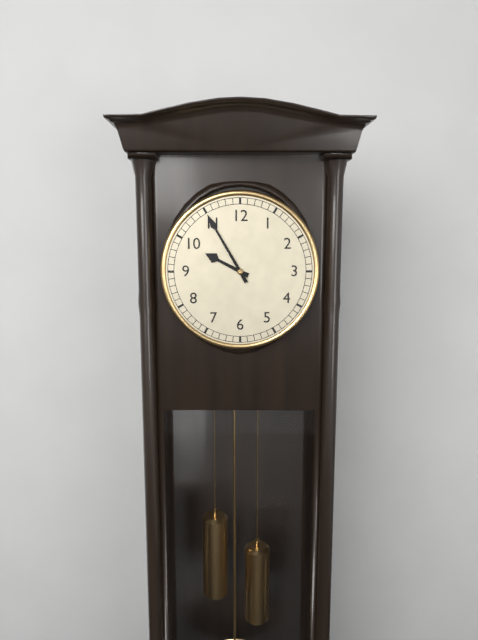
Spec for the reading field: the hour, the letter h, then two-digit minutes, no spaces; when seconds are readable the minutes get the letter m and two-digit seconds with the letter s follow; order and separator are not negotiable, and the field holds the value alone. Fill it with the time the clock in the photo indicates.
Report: 9h55
